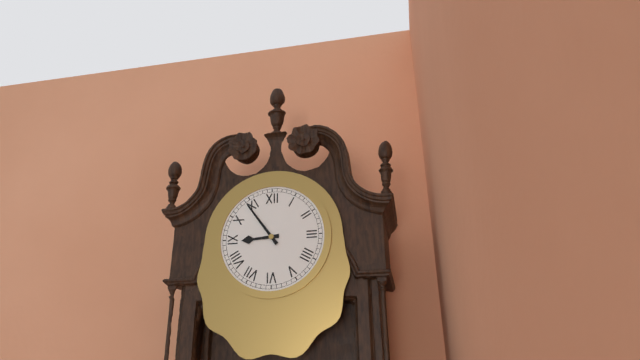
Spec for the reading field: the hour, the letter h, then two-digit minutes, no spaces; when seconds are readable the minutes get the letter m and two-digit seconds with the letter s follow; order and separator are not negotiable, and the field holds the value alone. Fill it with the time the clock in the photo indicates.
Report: 8h54
